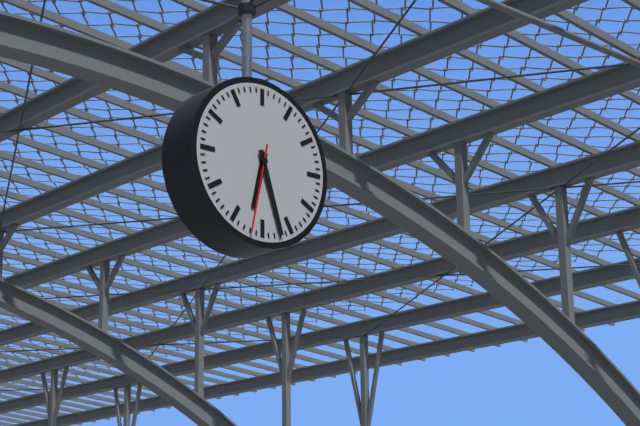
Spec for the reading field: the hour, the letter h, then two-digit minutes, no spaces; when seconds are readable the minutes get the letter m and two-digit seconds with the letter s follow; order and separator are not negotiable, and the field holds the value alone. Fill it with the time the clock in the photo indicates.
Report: 6h27m32s
